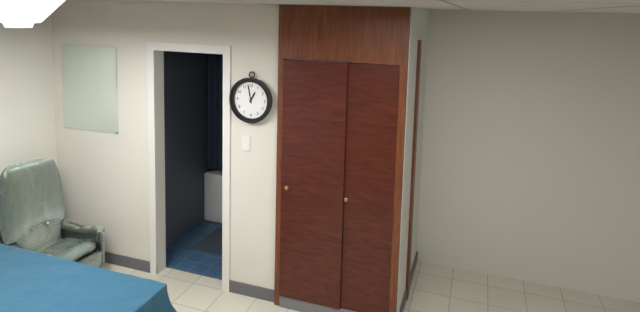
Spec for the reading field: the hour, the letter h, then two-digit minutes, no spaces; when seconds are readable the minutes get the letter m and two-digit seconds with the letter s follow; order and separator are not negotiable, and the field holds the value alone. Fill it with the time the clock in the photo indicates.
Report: 12h58
